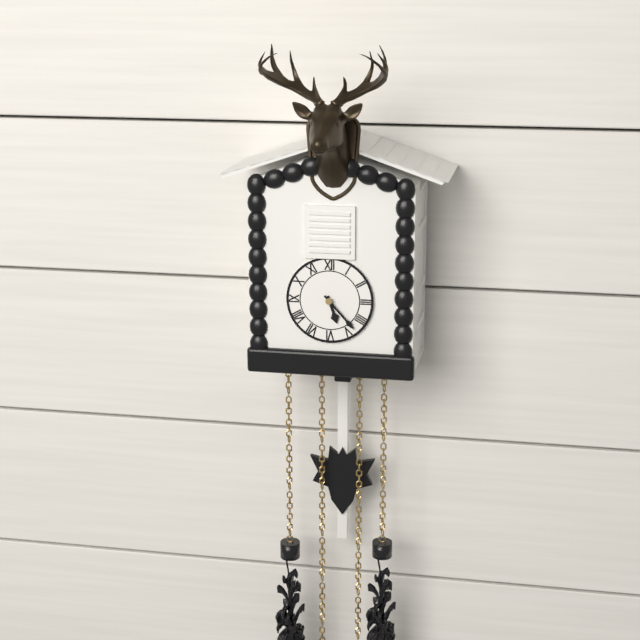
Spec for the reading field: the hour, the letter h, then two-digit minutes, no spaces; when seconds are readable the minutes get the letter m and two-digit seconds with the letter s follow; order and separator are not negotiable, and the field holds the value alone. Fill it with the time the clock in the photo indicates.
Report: 5h23
